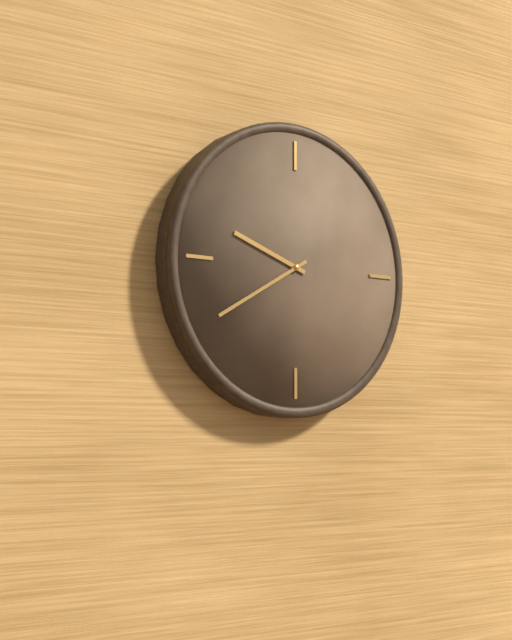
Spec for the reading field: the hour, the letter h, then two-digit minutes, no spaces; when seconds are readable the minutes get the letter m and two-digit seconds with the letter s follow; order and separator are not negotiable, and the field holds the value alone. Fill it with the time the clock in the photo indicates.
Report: 9h40
